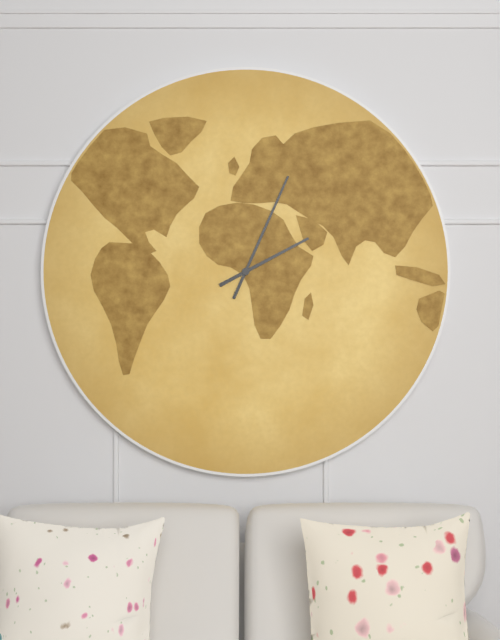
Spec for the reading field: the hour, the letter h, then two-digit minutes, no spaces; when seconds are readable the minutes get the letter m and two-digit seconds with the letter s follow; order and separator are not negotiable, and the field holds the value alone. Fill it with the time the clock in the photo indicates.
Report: 2h04
